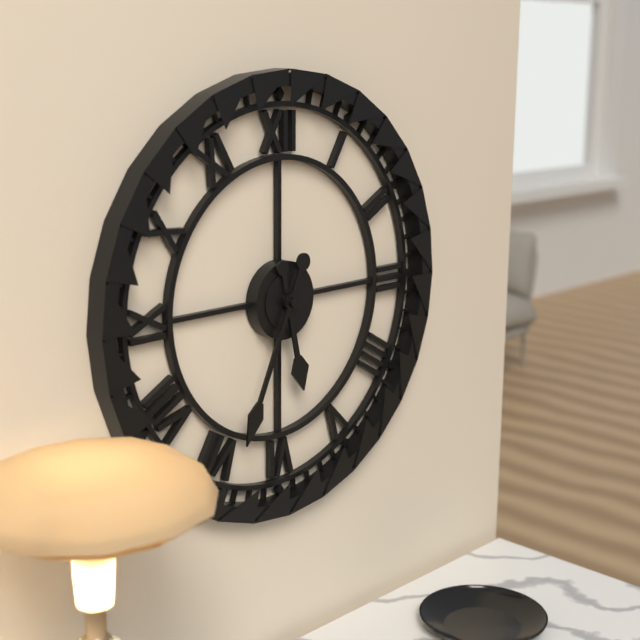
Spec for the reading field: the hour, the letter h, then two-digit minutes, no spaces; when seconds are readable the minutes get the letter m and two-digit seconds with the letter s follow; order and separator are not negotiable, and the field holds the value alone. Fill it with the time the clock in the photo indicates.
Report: 5h34
